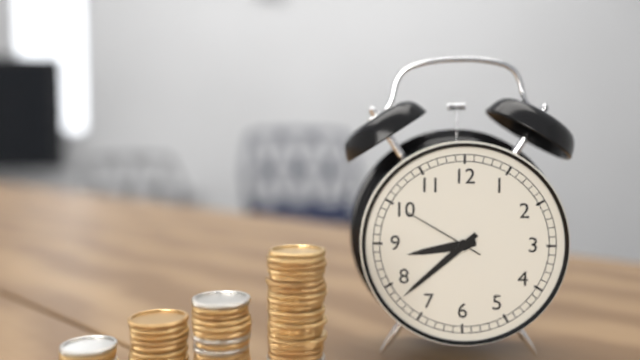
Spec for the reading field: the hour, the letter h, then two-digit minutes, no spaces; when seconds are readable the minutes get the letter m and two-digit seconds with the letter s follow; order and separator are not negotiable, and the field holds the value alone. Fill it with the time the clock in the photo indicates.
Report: 8h38m50s
